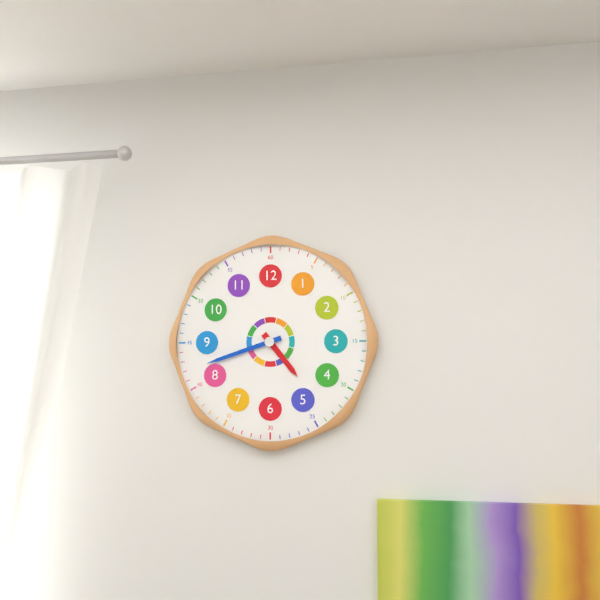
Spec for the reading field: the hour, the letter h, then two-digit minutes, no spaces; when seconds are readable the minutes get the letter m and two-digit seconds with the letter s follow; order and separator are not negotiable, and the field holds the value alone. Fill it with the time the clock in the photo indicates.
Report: 4h42
